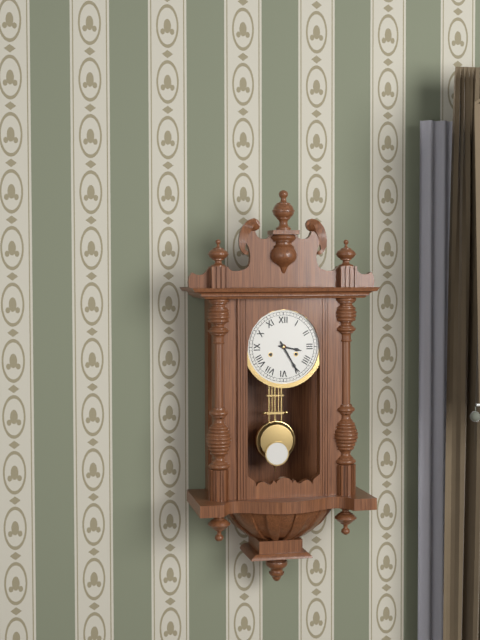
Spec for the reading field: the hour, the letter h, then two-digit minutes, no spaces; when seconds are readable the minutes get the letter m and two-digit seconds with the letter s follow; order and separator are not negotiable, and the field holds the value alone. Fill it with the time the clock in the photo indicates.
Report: 3h25
